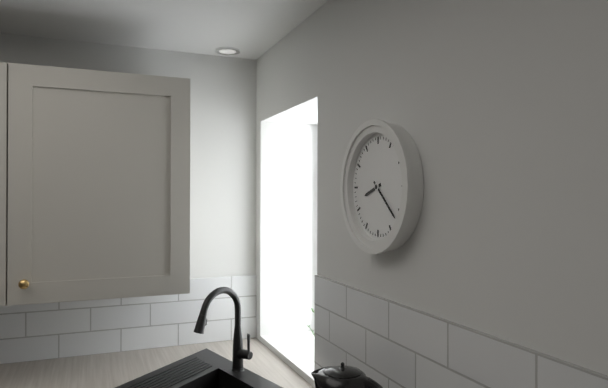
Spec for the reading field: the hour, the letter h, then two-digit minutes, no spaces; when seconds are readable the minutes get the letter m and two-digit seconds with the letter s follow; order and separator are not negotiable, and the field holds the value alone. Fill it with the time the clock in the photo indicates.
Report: 8h22
